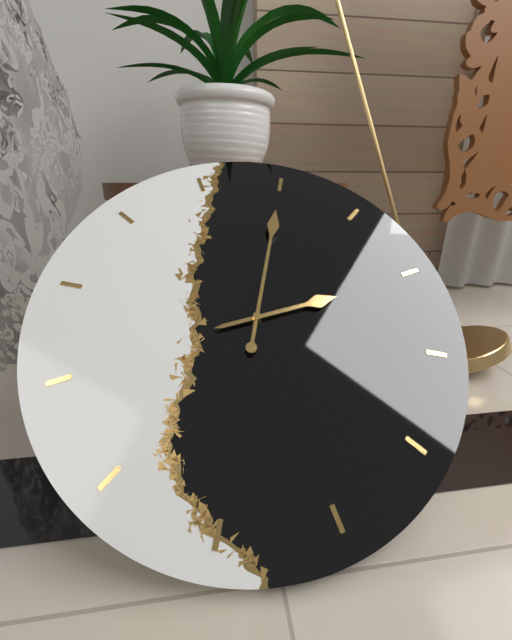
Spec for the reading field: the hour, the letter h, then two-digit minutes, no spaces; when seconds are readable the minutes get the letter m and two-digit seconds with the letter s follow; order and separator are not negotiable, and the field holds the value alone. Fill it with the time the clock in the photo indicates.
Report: 3h05
